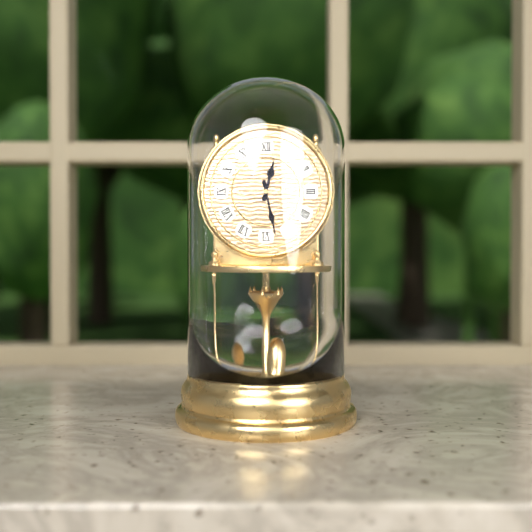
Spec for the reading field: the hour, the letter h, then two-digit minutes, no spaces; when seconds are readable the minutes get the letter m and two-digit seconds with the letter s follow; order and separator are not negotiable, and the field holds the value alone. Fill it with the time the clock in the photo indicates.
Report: 12h28
